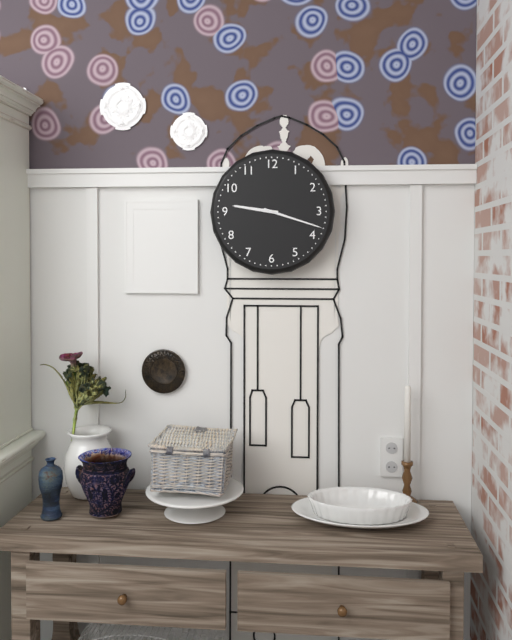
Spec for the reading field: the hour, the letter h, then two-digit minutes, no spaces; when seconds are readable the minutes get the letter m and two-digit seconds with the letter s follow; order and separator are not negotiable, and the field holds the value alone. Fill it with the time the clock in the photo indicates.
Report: 9h18
